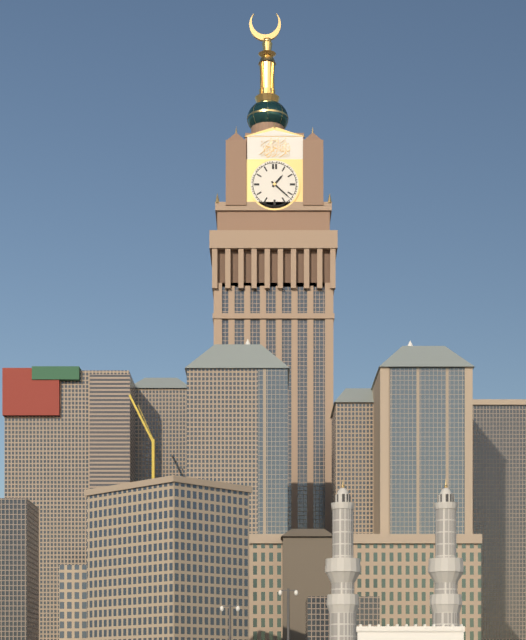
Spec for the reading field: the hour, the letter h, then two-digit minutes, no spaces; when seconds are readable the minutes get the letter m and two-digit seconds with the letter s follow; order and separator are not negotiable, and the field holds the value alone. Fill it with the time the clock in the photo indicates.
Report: 1h22
